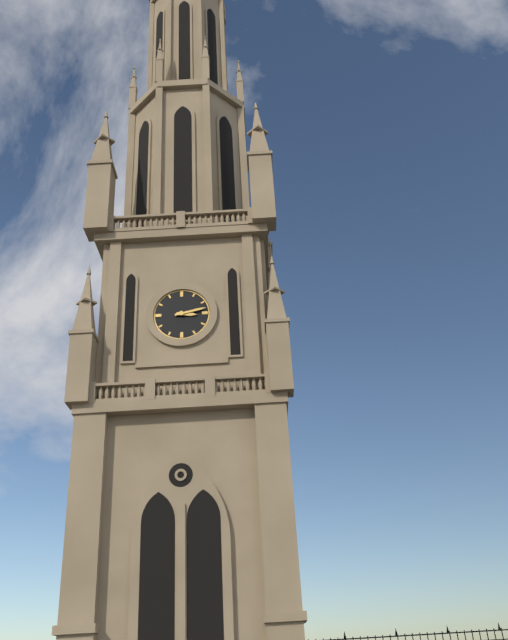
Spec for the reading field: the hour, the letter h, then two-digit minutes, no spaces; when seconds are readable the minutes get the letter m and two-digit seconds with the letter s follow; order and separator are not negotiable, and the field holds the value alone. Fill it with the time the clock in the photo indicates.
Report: 3h13
